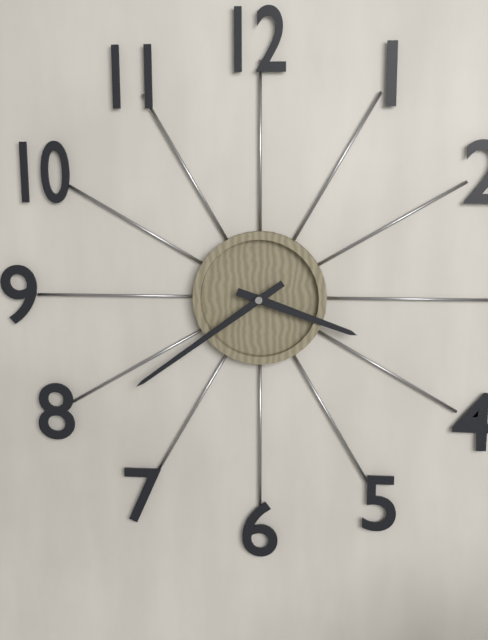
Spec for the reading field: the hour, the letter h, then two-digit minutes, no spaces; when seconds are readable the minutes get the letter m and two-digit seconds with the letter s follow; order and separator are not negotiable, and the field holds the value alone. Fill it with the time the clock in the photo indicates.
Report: 3h39
